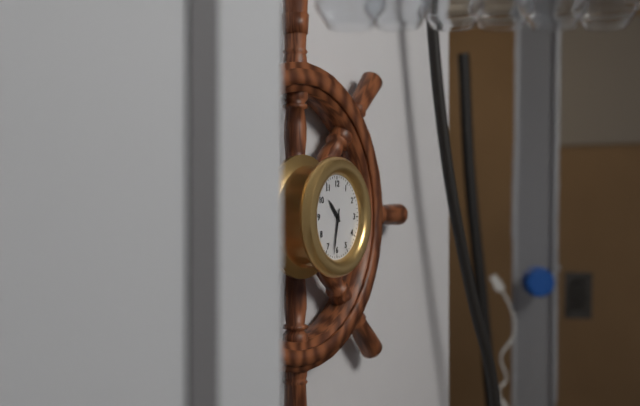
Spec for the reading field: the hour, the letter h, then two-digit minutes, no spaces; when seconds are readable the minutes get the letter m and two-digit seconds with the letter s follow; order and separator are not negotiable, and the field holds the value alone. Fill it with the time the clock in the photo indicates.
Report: 10h32
